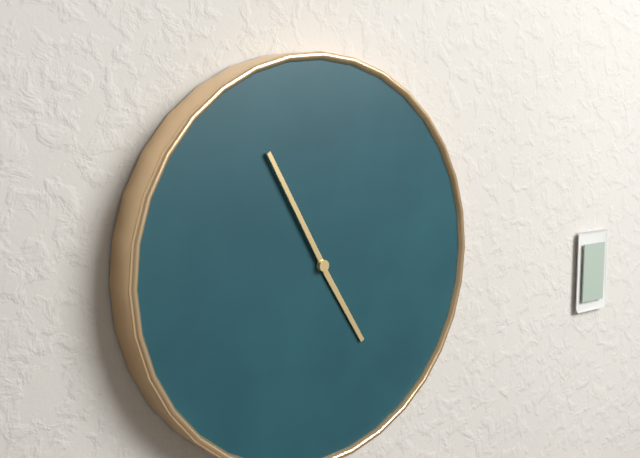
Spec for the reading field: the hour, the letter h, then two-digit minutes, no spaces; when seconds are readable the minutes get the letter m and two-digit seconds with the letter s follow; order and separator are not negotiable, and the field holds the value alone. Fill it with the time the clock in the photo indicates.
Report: 4h55
